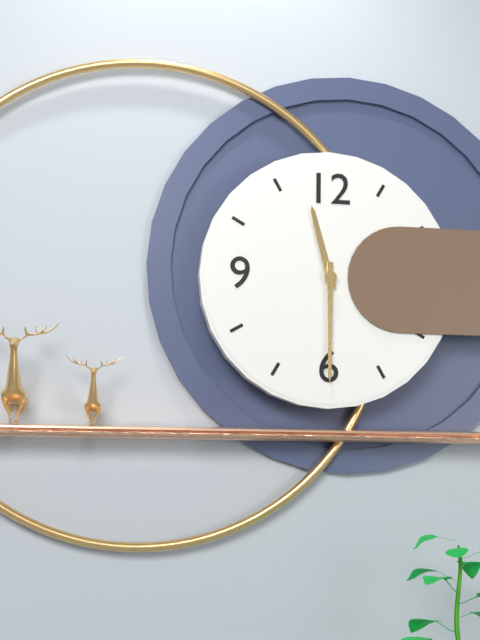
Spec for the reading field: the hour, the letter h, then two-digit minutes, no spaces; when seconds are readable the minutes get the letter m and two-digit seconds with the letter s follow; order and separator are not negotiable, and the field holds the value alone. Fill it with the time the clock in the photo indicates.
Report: 11h30
